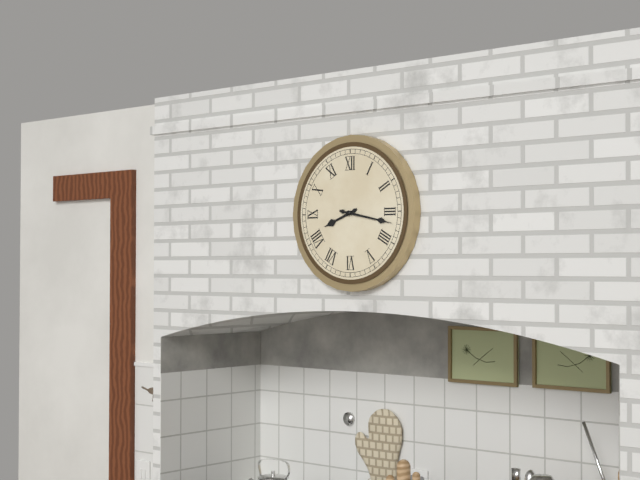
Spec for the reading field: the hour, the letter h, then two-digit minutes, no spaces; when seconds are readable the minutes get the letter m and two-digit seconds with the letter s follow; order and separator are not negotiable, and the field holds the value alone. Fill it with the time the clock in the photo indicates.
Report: 8h17
